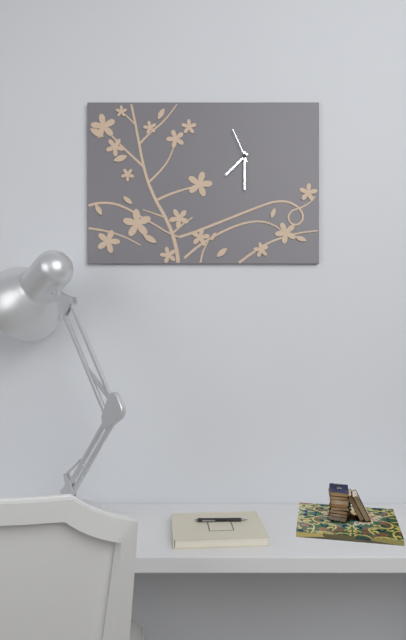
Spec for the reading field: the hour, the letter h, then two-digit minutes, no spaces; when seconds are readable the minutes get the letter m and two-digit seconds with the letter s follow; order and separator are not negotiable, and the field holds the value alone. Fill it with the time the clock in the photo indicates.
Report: 7h30
